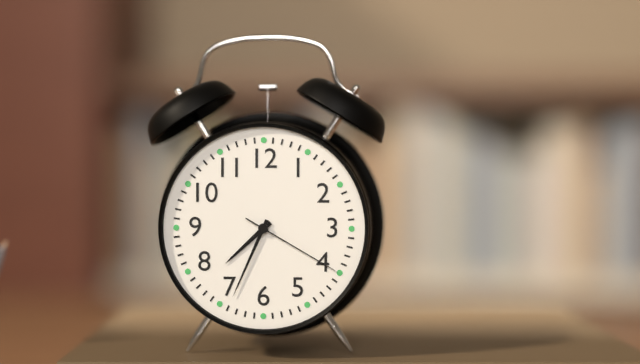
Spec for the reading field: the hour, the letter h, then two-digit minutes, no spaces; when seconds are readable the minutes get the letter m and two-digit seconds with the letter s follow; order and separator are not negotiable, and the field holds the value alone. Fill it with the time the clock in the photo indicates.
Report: 7h34m20s
